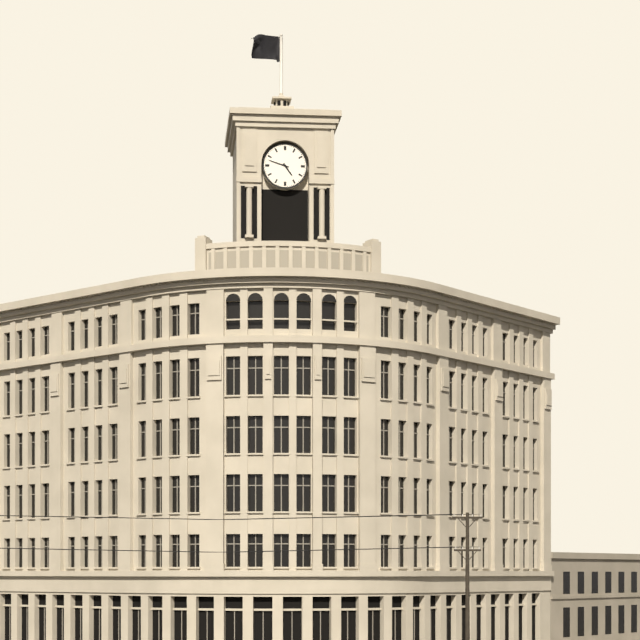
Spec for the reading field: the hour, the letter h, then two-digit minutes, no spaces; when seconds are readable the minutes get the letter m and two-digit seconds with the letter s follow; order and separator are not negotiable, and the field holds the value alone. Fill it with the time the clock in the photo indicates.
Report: 4h48
